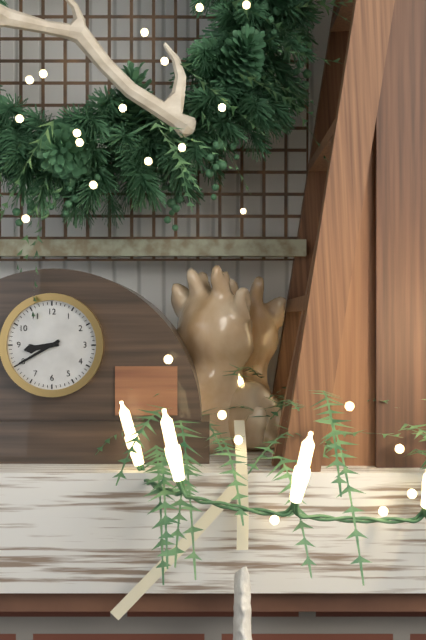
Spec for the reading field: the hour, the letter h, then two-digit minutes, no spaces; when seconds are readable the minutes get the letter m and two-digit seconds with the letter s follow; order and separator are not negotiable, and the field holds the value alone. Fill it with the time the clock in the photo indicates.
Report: 8h40
